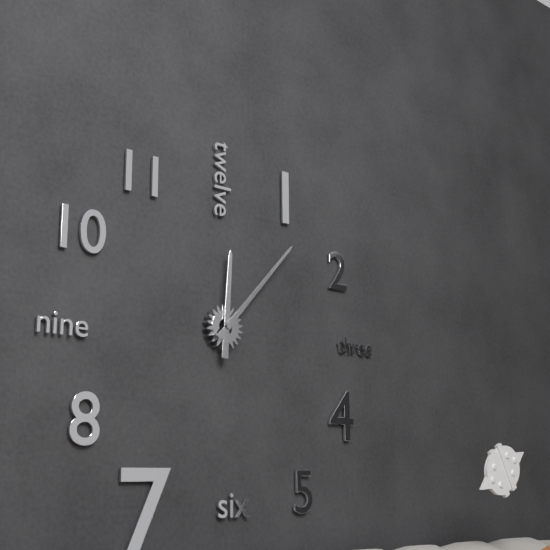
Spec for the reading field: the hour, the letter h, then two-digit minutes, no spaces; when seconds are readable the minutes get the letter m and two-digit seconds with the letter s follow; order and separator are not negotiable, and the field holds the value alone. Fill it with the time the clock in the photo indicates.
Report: 12h07
